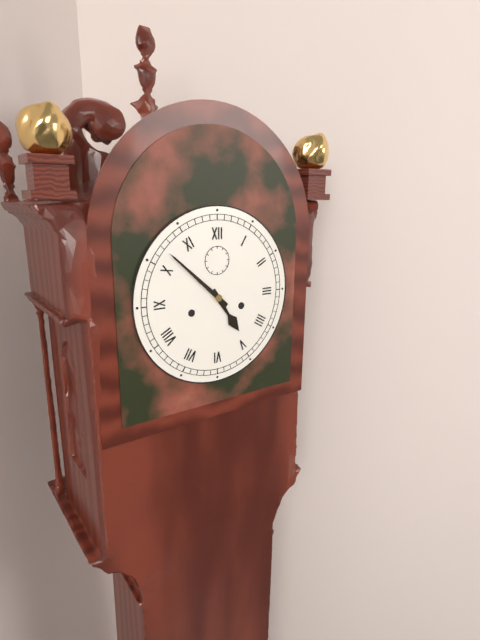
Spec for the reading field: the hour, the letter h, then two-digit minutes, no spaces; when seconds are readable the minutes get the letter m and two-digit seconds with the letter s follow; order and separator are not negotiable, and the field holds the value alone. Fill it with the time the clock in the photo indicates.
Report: 4h52
